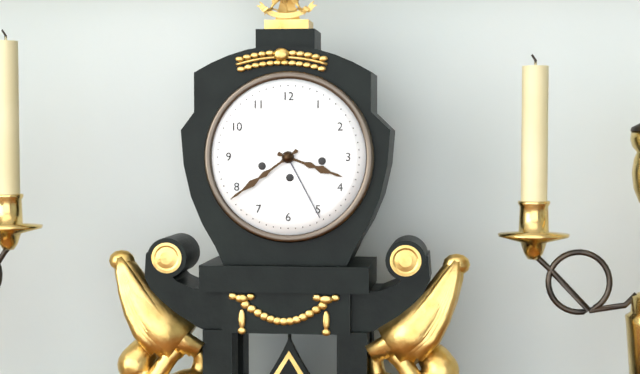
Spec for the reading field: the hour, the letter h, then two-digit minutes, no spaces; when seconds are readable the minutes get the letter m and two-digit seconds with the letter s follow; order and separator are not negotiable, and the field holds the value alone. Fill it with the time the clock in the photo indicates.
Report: 3h39
